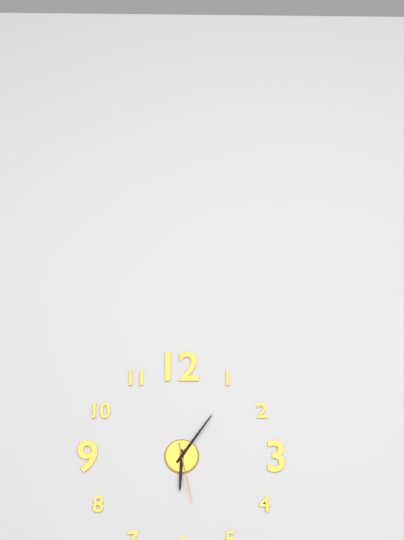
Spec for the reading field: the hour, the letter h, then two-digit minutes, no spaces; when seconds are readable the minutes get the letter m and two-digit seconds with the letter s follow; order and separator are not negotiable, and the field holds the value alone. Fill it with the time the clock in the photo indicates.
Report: 6h06m28s
